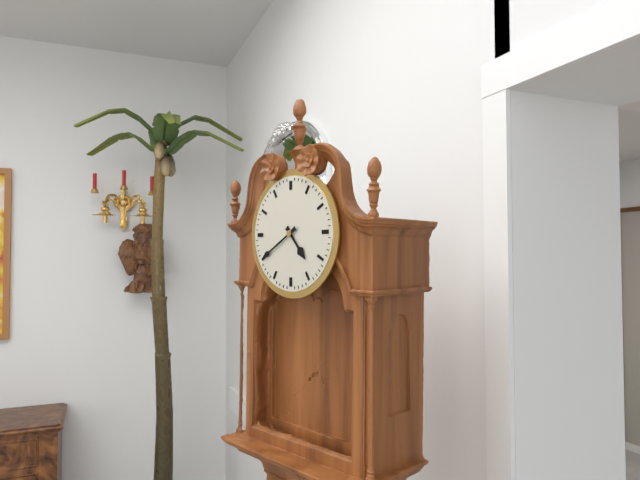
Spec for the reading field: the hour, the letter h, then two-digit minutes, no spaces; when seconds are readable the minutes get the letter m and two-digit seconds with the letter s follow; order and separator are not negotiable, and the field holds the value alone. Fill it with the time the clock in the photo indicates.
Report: 4h40
